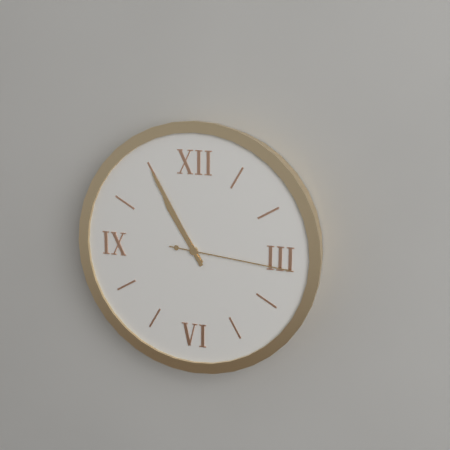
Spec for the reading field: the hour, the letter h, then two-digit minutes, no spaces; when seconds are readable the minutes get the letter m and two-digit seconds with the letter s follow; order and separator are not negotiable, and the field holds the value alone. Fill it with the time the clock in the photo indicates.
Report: 10h55m16s
